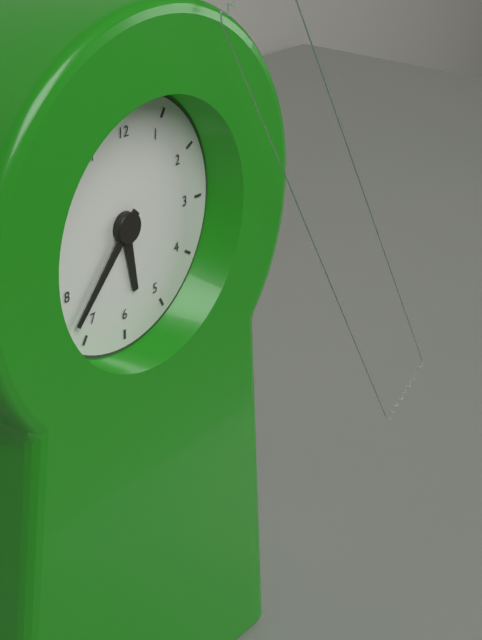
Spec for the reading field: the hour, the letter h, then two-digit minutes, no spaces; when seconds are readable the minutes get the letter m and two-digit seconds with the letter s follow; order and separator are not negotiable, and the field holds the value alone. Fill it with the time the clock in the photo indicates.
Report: 5h37
